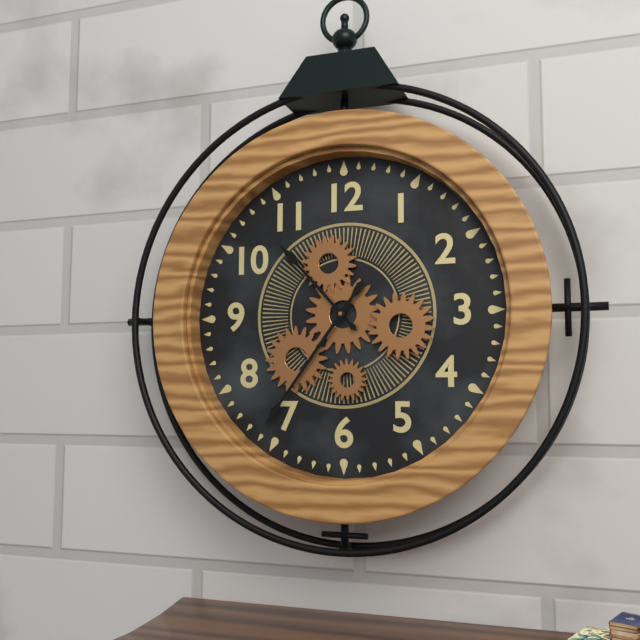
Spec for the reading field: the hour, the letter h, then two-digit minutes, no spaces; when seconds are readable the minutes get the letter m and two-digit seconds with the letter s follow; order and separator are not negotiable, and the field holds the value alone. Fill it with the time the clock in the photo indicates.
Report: 10h36
